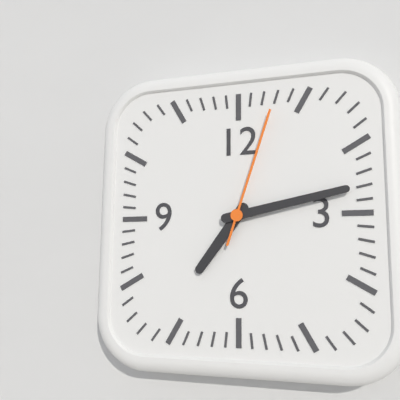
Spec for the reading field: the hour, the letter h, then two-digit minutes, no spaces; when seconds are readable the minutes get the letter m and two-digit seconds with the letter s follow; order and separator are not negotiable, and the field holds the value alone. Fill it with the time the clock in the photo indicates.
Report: 7h13m03s
